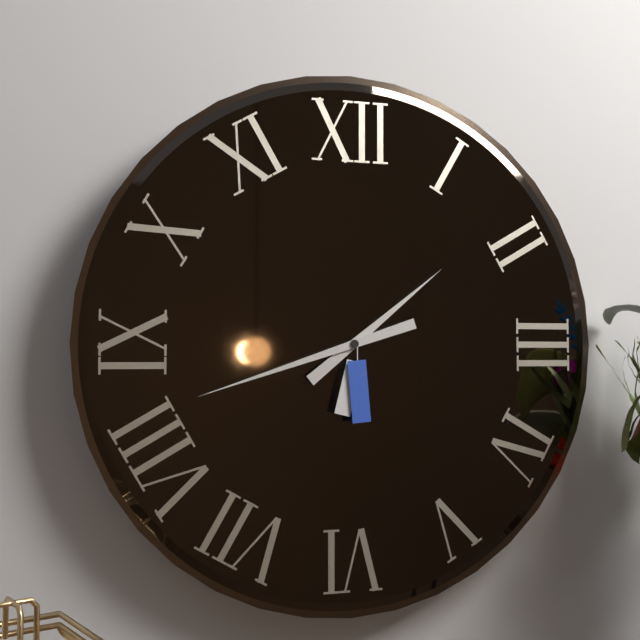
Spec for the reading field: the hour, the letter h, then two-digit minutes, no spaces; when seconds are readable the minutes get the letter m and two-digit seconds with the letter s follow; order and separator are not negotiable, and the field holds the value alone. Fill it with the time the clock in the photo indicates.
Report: 1h42
